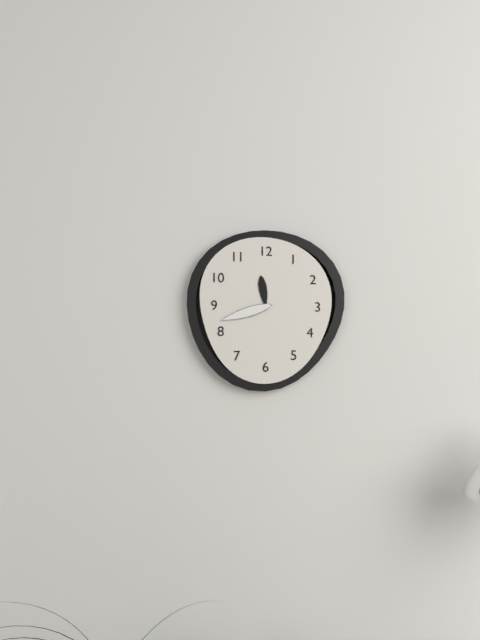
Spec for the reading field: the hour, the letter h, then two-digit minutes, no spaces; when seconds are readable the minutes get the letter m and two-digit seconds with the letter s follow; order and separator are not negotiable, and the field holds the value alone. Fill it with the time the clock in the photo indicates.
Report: 11h42
